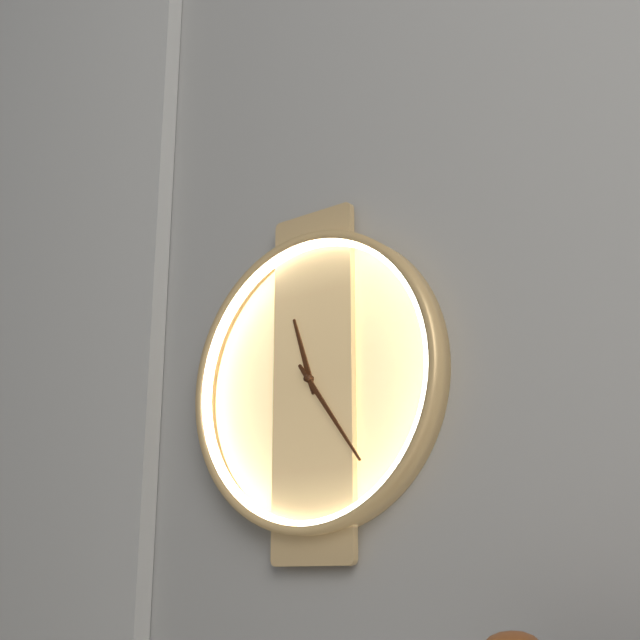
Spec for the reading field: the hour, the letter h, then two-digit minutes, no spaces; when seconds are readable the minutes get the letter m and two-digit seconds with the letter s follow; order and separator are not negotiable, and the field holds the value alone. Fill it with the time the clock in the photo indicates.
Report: 11h24
